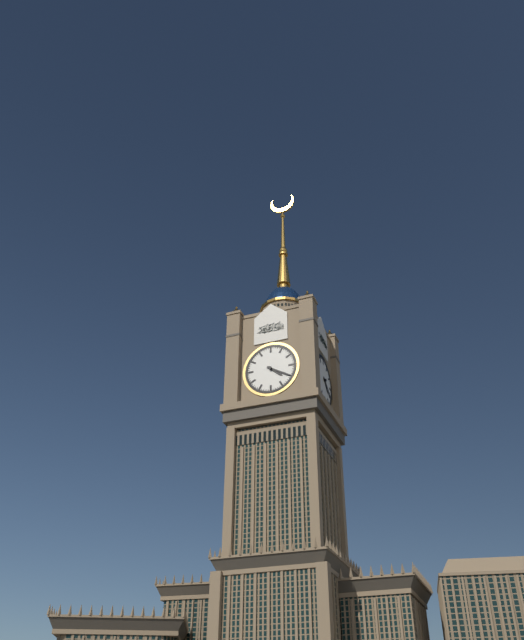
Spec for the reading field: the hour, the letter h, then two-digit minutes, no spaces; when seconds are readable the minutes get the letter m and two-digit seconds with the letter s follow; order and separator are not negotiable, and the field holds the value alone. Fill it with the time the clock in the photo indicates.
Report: 4h20
